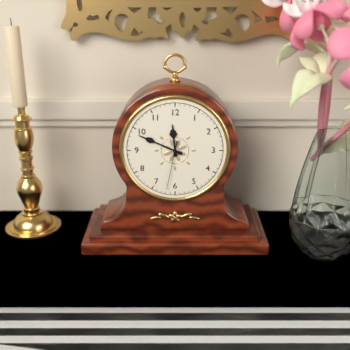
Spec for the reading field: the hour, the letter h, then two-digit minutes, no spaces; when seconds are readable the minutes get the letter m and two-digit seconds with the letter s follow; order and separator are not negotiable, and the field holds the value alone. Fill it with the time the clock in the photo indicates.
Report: 11h49m32s
